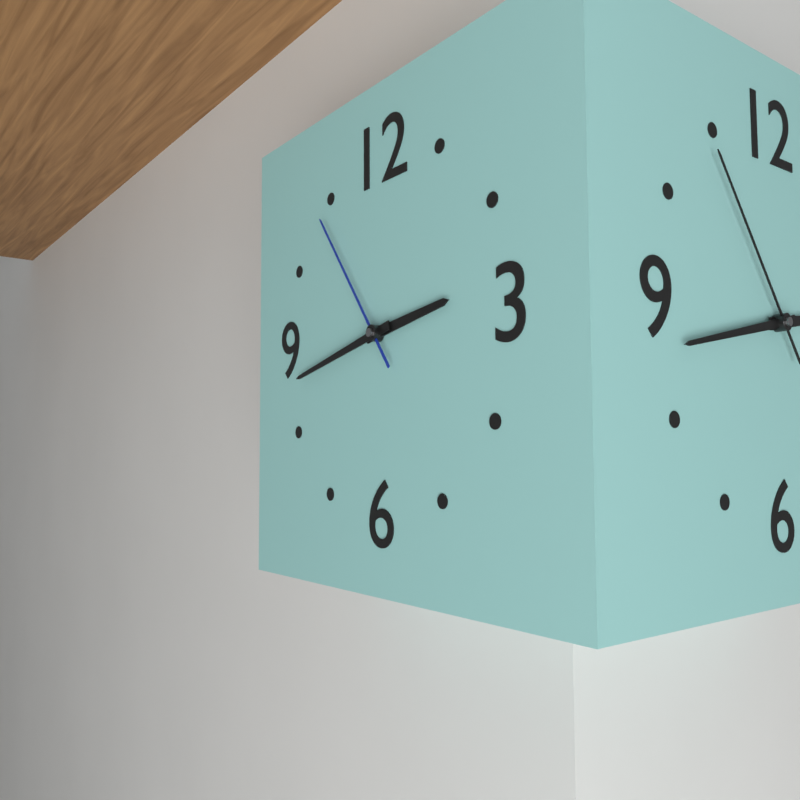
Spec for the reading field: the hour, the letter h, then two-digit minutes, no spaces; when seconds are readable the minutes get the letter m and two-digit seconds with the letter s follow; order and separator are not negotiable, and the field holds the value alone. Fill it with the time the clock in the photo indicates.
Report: 2h43m54s
